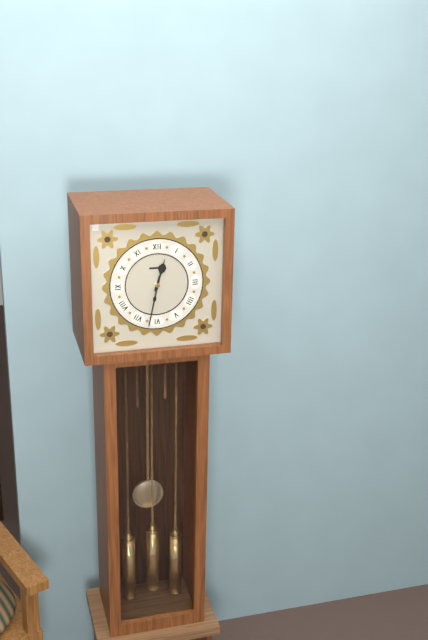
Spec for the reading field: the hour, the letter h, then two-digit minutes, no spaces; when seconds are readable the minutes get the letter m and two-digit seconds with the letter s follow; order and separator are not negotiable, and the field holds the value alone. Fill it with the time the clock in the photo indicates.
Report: 12h32
